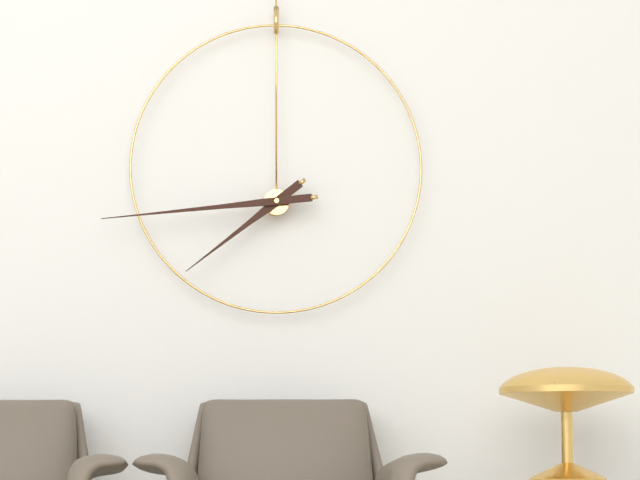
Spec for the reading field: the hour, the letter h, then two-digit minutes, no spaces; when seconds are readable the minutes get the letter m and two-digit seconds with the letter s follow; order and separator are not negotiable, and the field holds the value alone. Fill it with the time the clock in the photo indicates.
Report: 7h44
